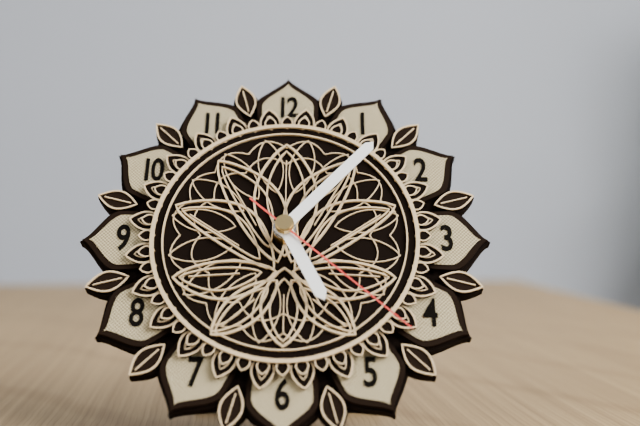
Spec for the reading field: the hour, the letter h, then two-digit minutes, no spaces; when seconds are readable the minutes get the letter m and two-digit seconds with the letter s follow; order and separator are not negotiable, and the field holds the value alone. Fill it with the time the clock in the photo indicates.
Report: 5h07m22s
